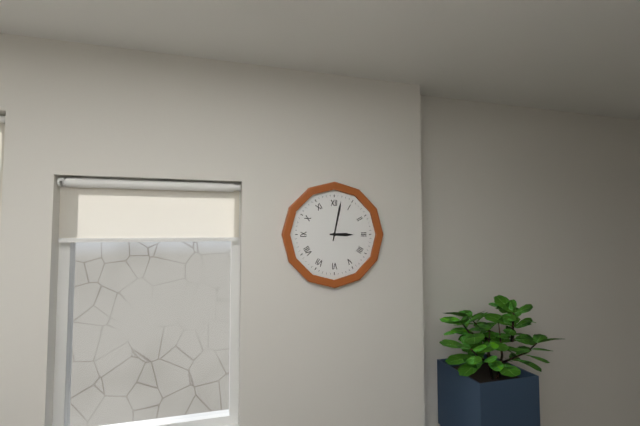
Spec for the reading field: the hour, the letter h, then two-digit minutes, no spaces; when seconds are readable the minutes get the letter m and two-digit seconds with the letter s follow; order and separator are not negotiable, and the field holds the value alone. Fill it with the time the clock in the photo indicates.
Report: 3h02
